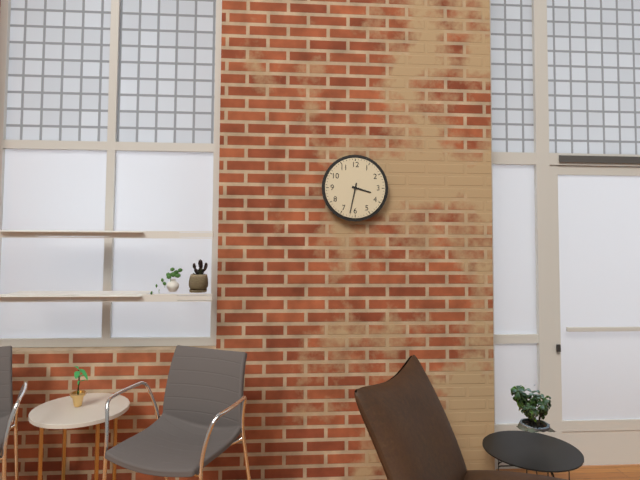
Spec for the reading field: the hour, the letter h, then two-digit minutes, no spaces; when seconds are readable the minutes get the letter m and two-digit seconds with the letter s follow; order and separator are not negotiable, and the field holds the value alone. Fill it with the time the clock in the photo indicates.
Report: 3h32
